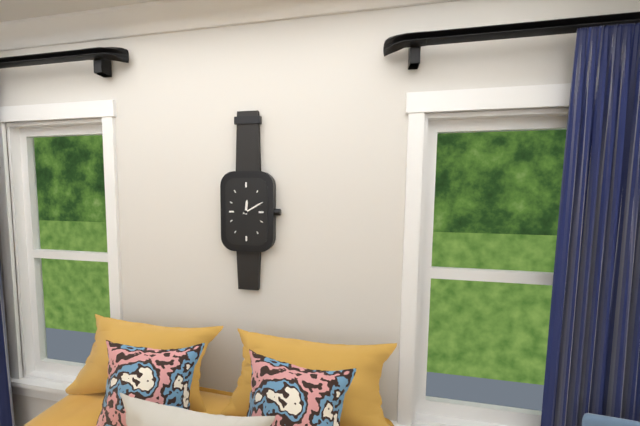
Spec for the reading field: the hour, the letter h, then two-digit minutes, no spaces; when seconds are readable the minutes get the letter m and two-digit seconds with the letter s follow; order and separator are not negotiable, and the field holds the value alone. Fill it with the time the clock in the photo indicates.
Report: 12h10
